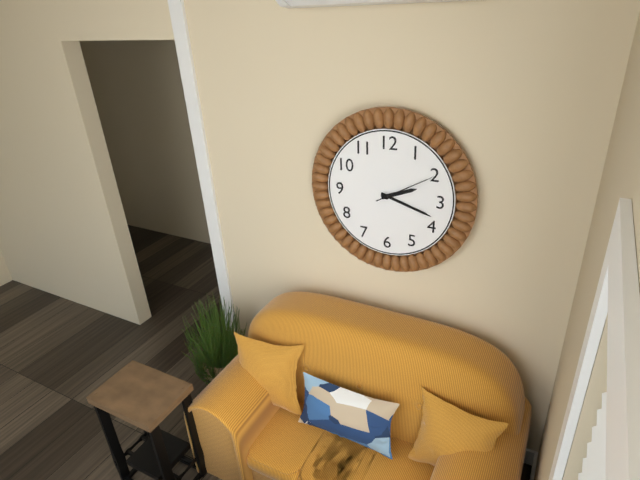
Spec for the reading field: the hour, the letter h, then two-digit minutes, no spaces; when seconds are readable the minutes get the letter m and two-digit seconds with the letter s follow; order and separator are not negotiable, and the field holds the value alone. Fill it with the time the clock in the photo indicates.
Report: 2h18m10s
